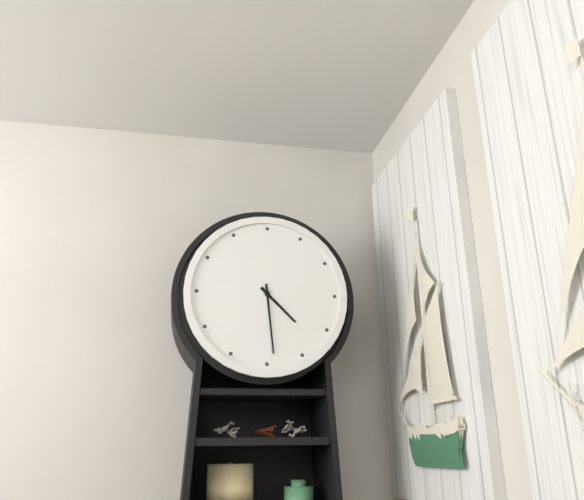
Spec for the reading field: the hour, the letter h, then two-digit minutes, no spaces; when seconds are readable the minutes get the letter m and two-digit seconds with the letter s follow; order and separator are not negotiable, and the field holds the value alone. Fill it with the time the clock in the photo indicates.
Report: 4h29
